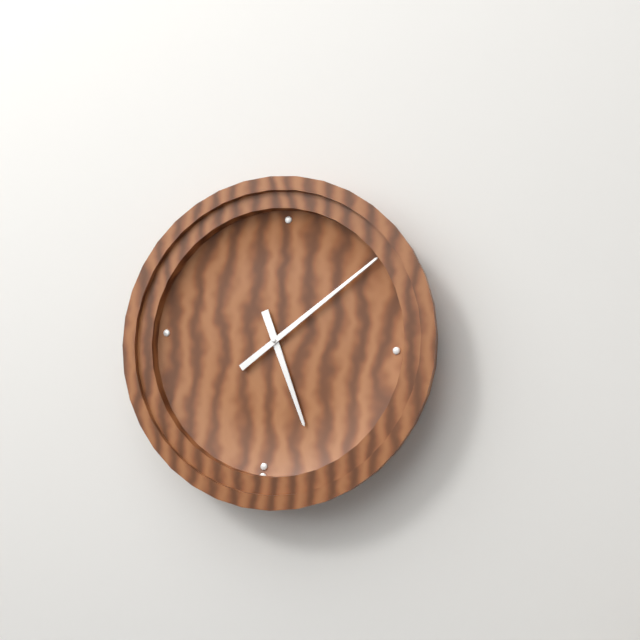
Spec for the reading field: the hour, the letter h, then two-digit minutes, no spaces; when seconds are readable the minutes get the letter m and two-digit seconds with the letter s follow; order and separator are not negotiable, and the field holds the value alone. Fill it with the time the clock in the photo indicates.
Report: 5h08
